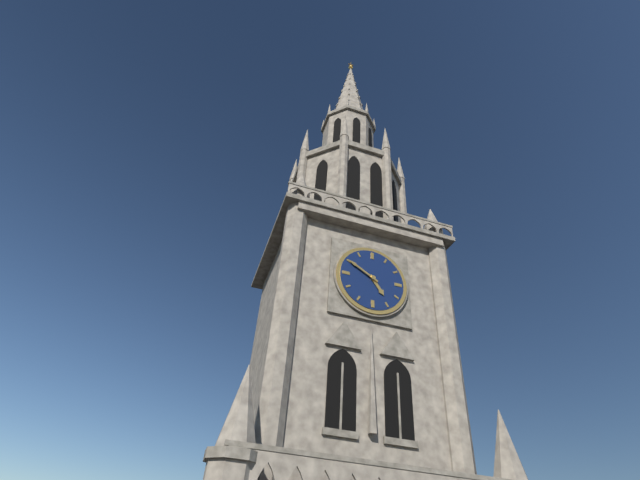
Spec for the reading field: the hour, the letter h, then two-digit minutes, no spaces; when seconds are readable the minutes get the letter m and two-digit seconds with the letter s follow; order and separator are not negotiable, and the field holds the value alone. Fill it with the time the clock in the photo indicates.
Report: 4h50
